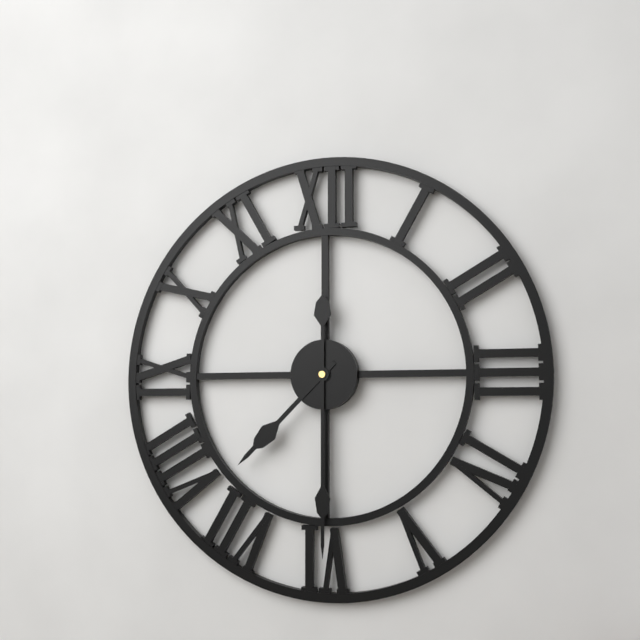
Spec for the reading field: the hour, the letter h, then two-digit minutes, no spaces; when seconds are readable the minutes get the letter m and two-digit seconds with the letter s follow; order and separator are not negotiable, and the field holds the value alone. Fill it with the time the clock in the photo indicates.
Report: 7h30
